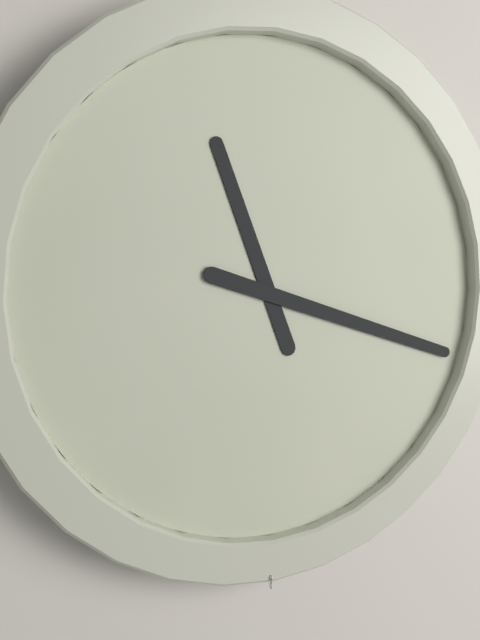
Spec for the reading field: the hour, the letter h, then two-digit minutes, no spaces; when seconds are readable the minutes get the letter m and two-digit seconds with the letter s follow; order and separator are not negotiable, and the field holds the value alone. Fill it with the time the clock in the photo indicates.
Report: 11h18
